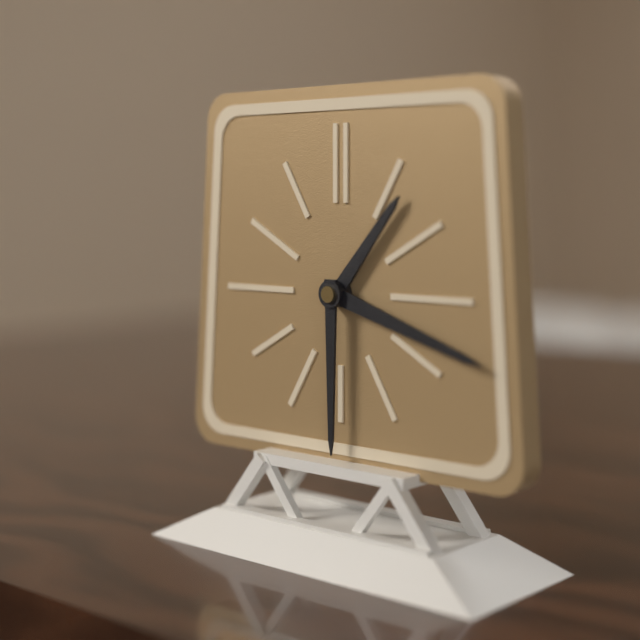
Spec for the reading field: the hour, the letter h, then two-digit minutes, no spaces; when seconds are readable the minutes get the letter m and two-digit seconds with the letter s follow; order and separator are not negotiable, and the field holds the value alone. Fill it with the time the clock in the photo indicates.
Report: 1h18m30s
